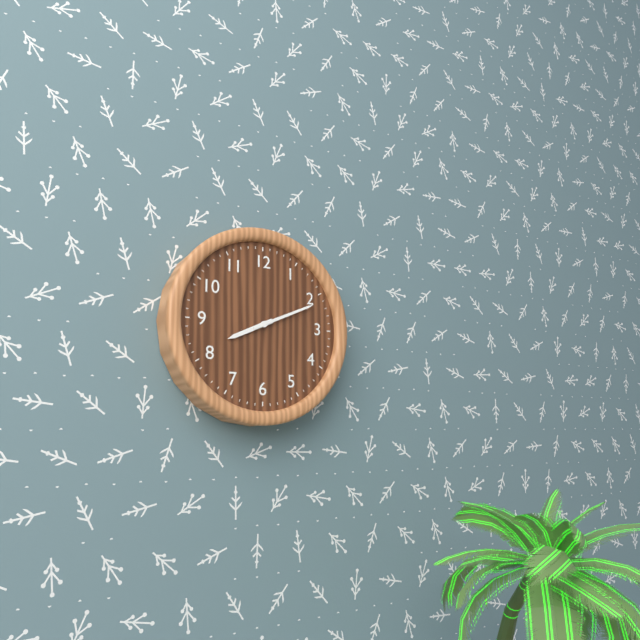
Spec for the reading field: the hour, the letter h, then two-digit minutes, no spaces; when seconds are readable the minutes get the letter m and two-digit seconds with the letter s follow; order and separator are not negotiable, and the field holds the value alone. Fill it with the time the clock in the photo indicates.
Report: 8h11
